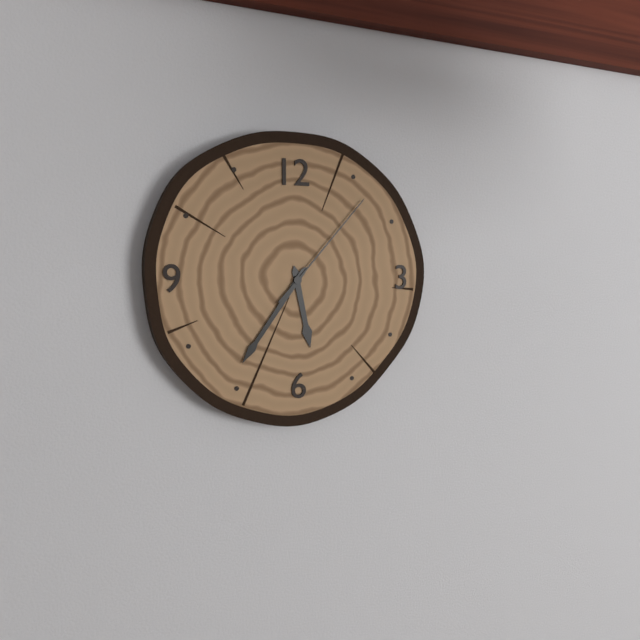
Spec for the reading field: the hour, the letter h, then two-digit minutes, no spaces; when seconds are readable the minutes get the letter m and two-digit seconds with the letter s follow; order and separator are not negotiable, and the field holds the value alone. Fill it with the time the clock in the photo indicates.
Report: 5h36m07s
